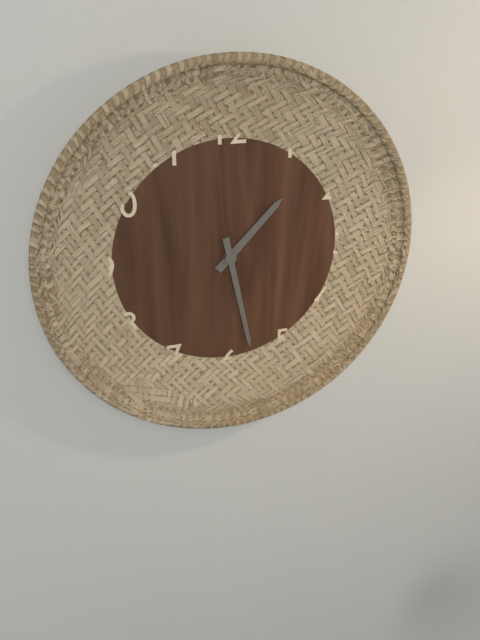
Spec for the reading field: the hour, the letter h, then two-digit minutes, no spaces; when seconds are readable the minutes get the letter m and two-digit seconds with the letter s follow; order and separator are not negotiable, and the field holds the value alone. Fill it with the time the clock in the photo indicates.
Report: 1h28
